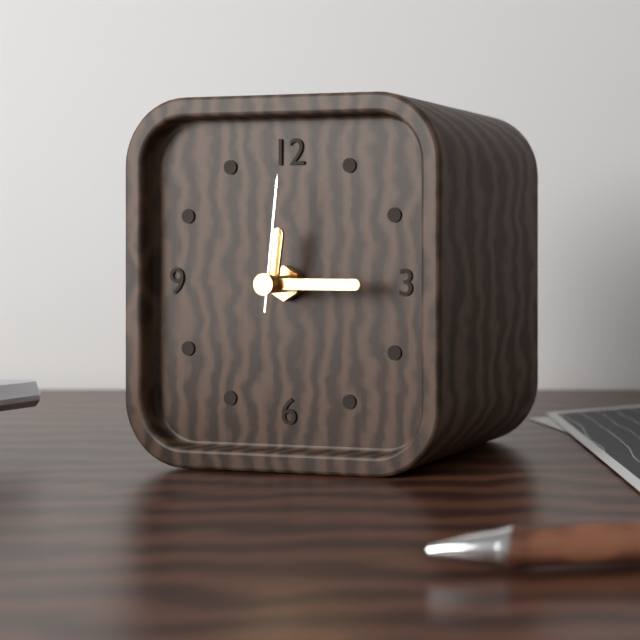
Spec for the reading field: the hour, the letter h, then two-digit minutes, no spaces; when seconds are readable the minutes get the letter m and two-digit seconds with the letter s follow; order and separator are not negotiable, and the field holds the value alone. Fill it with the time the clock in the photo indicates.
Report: 12h15m01s
